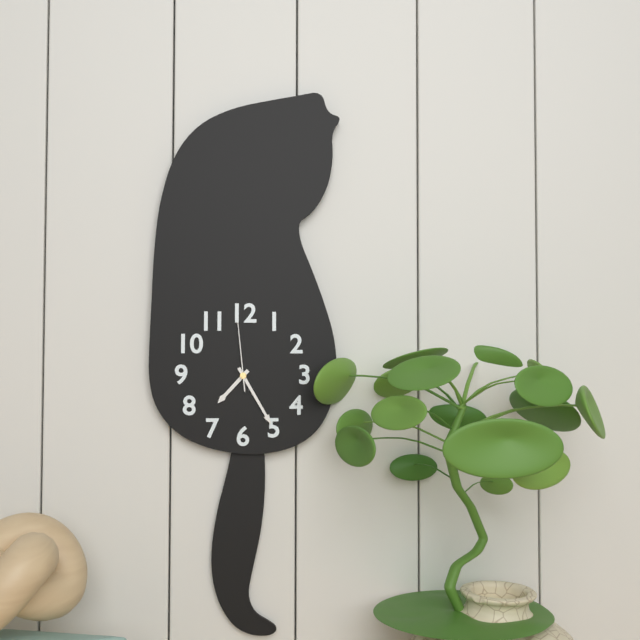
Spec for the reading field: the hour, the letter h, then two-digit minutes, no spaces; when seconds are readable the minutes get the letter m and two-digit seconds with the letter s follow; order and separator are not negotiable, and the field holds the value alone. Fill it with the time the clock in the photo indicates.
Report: 7h25m59s
